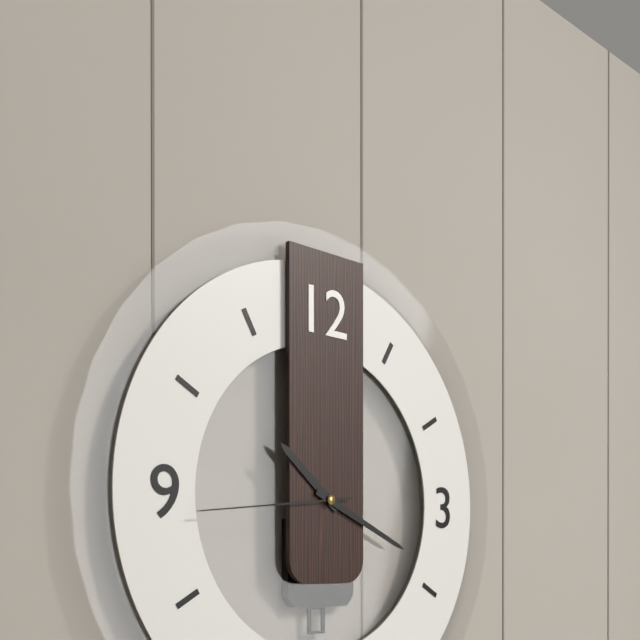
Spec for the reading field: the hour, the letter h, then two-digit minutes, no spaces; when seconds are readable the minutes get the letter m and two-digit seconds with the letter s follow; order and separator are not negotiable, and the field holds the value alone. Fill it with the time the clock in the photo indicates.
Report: 10h19m44s
